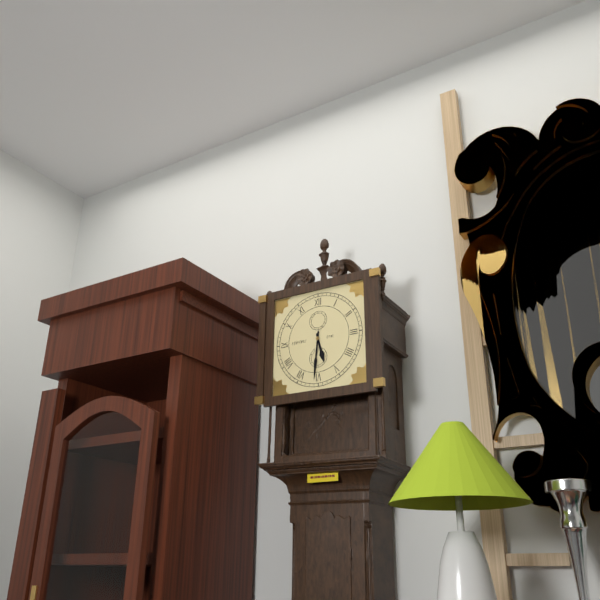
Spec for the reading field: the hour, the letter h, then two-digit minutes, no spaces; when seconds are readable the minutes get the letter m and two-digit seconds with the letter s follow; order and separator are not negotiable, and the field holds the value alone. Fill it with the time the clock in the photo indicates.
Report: 5h31
